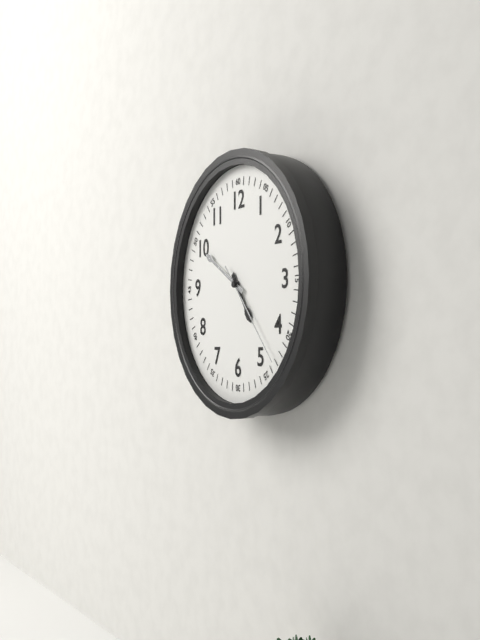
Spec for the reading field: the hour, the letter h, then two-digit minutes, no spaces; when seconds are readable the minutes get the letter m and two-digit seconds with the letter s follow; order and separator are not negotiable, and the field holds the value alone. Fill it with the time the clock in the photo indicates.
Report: 4h50m23s
